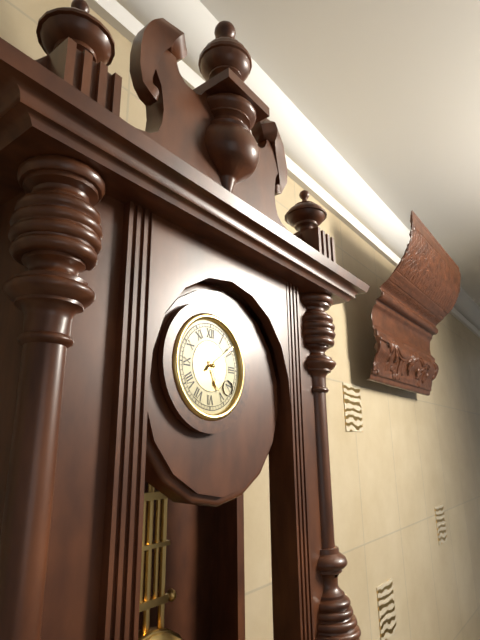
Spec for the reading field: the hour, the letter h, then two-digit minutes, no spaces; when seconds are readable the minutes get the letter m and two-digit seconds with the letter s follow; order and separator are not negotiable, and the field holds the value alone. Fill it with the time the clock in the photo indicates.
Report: 5h09
